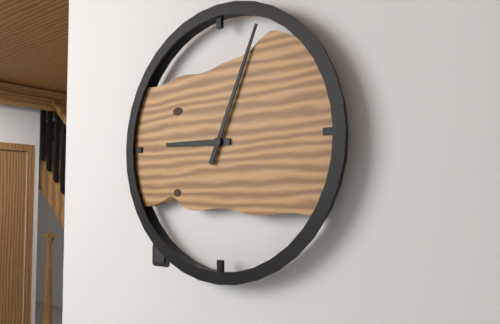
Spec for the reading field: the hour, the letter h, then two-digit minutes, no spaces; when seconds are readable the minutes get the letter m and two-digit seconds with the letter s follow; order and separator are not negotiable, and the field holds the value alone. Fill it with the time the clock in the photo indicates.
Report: 9h04
